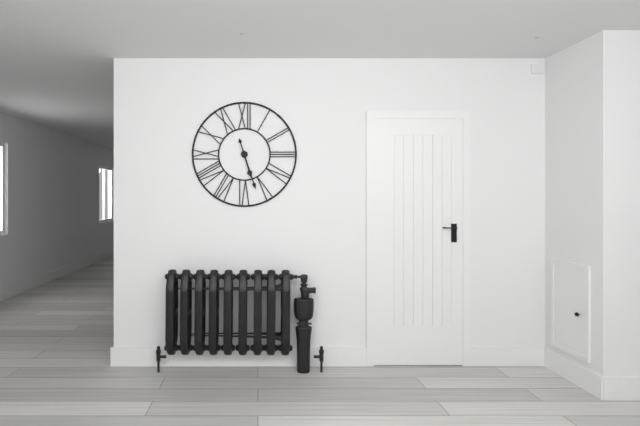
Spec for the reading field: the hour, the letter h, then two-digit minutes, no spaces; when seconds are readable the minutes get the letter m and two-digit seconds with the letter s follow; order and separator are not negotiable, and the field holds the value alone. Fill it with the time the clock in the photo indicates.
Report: 5h27
